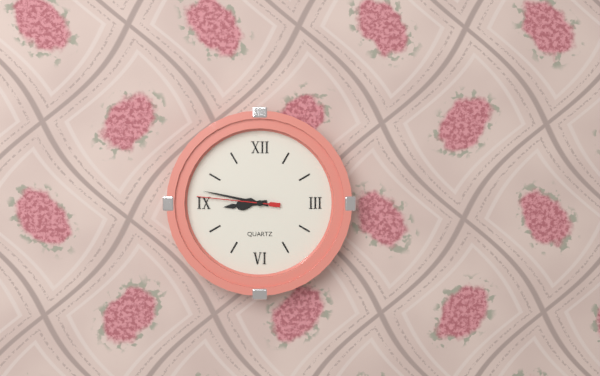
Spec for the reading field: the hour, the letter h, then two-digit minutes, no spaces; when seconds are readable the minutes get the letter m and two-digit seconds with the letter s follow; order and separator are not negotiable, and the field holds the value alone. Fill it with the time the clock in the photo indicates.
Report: 8h47m46s
